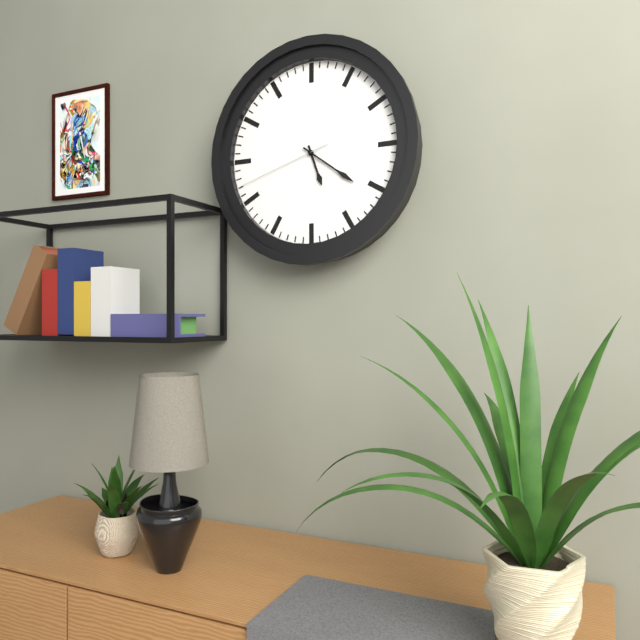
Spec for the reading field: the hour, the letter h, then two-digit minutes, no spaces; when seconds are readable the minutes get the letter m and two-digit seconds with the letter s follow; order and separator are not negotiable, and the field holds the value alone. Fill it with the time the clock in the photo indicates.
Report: 5h21m42s
